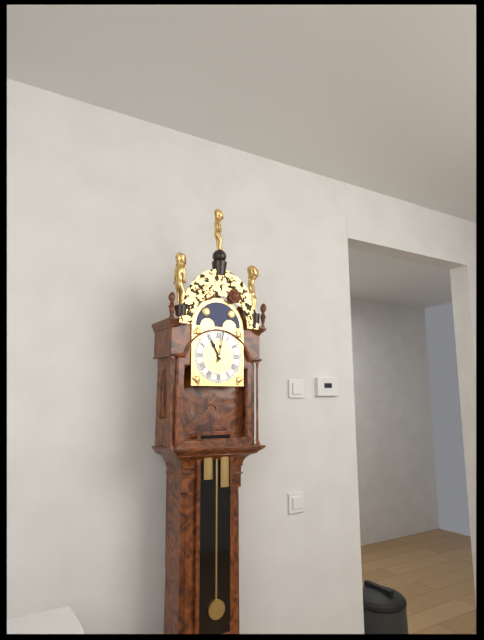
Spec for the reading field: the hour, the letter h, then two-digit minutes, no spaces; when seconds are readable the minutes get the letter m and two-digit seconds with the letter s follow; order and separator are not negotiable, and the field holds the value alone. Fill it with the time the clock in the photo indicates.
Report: 11h02
